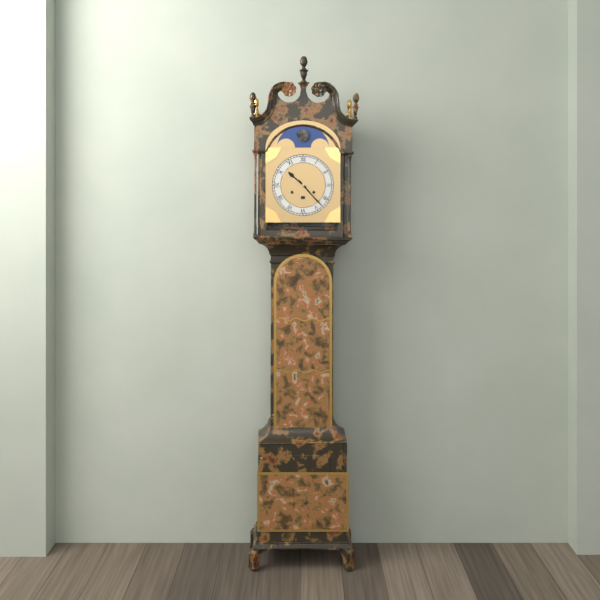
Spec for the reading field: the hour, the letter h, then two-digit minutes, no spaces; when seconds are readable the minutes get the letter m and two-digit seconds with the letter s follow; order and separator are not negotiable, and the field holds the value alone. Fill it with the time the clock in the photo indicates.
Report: 10h23
